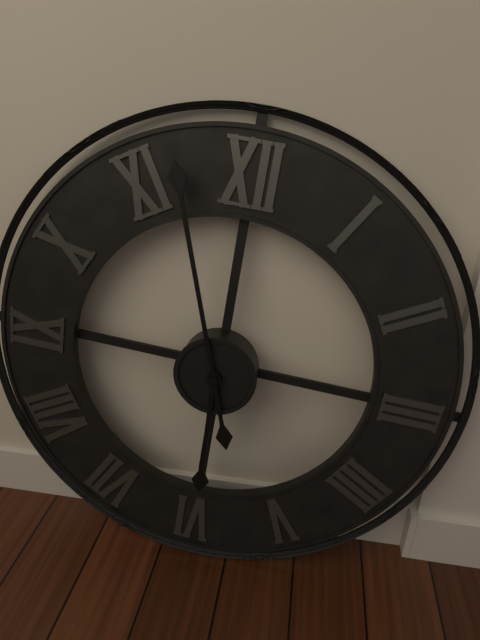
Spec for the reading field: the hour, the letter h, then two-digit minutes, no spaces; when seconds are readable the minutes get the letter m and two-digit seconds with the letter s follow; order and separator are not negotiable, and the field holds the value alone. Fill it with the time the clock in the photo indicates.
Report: 5h57
